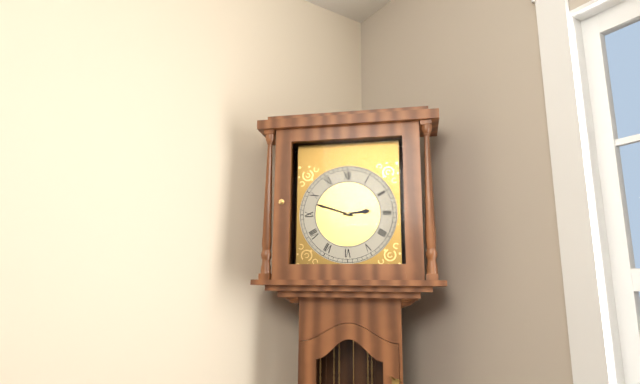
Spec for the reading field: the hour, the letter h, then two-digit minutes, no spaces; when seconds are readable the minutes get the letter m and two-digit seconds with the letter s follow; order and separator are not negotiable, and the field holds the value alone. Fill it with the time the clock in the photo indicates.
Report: 2h48
